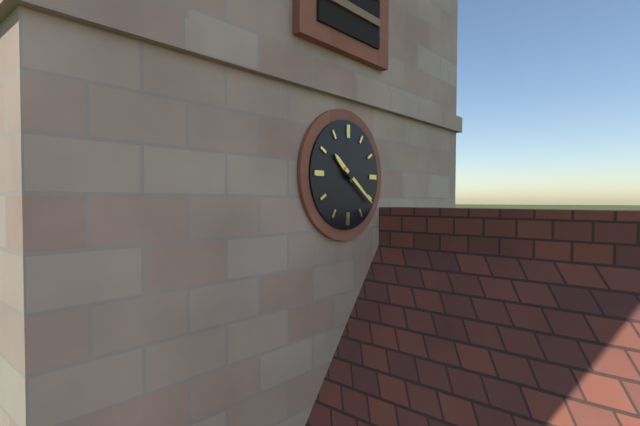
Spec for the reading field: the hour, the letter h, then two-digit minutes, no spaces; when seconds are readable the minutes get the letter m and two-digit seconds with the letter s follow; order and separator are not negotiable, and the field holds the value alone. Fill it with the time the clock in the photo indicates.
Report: 10h21
